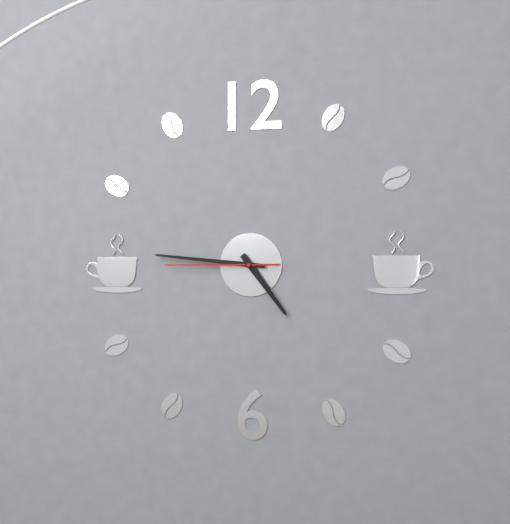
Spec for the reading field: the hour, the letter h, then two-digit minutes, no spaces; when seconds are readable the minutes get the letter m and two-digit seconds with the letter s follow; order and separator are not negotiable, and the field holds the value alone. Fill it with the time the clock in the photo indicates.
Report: 4h46m45s
